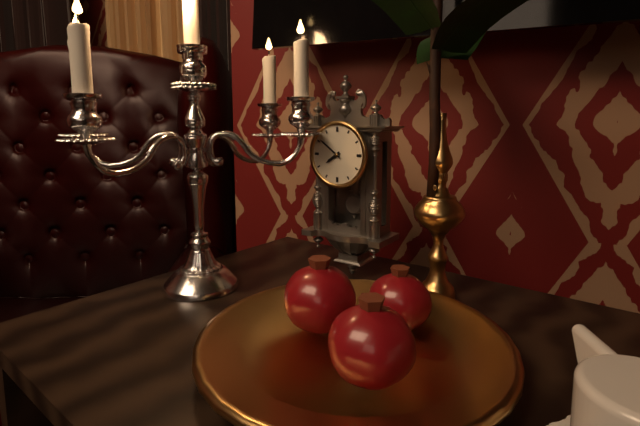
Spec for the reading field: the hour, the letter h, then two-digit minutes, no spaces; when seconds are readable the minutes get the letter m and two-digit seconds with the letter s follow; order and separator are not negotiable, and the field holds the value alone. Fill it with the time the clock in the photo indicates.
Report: 7h51
